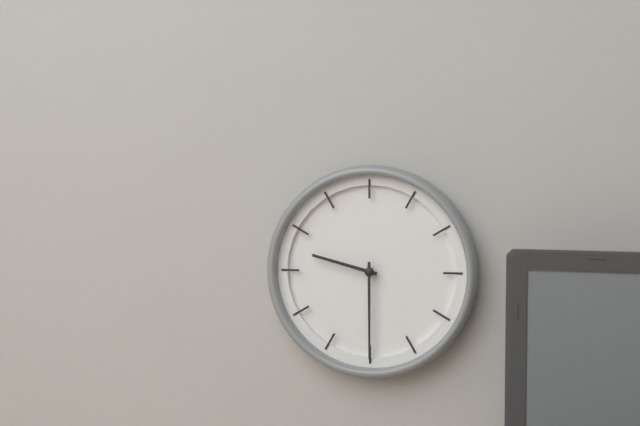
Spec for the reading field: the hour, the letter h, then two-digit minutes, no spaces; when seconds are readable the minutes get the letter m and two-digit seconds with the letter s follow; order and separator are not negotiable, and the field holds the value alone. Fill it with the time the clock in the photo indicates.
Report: 9h30
